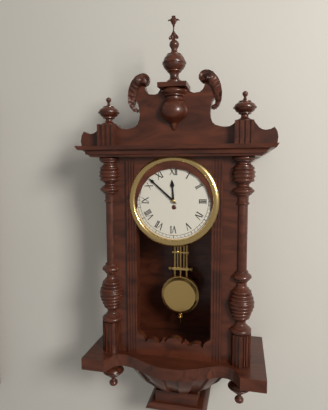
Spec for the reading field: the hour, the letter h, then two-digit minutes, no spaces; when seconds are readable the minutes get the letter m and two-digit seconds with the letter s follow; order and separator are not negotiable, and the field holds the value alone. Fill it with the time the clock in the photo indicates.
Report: 11h52
